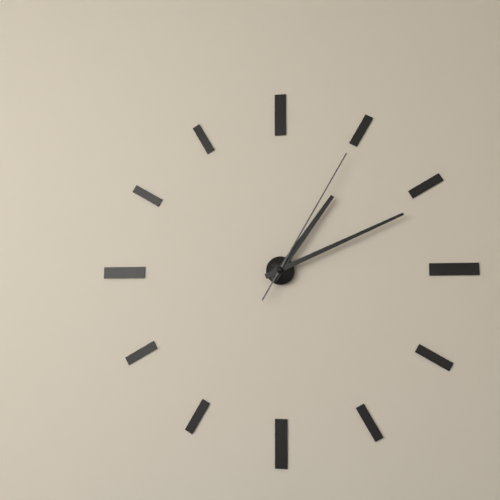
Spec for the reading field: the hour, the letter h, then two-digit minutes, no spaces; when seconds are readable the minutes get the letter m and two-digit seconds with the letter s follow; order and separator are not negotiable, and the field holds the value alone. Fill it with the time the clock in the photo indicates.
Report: 1h11m05s
